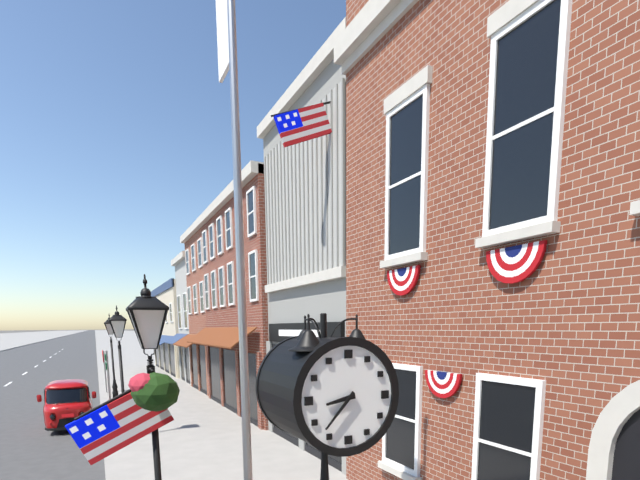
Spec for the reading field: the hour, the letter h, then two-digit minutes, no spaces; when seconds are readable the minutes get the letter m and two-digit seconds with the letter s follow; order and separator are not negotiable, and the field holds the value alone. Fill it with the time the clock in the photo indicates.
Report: 8h37
